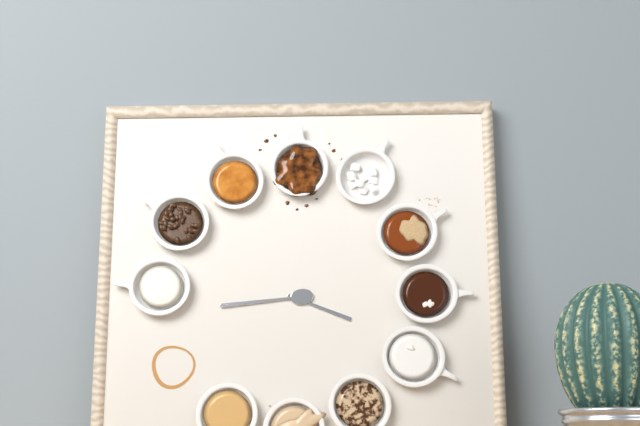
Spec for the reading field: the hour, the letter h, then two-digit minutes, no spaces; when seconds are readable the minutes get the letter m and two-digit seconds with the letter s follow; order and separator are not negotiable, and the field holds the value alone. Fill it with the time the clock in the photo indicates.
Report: 3h44
